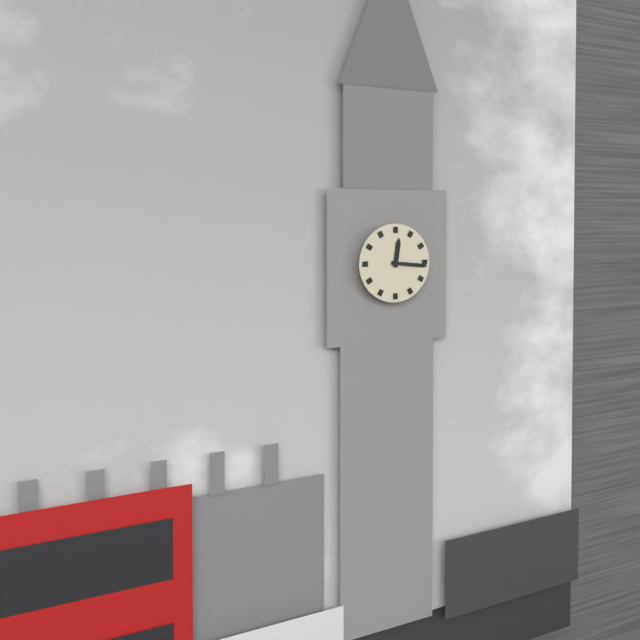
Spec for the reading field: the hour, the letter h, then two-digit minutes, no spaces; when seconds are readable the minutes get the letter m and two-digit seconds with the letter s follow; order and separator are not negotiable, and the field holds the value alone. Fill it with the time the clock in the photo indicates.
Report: 12h16
